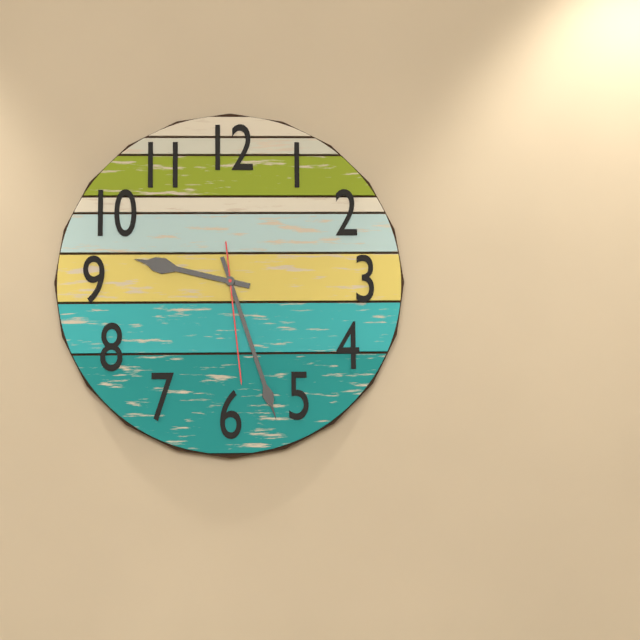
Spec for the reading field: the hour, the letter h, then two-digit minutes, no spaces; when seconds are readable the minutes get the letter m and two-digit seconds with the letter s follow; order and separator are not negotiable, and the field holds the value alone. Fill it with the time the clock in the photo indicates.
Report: 9h27m29s
